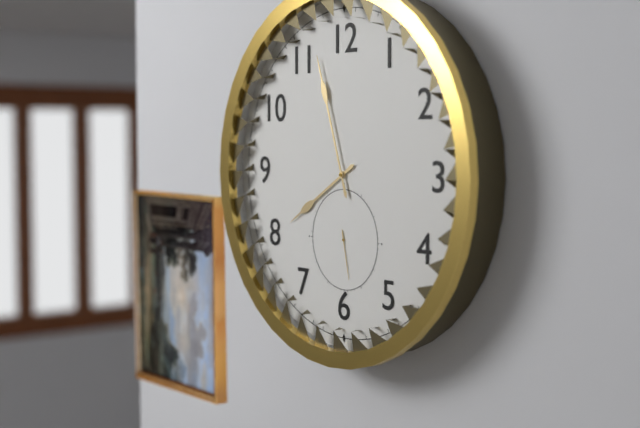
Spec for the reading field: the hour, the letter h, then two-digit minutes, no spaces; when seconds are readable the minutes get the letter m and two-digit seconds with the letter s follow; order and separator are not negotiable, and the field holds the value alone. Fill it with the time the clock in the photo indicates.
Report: 7h57m28s
